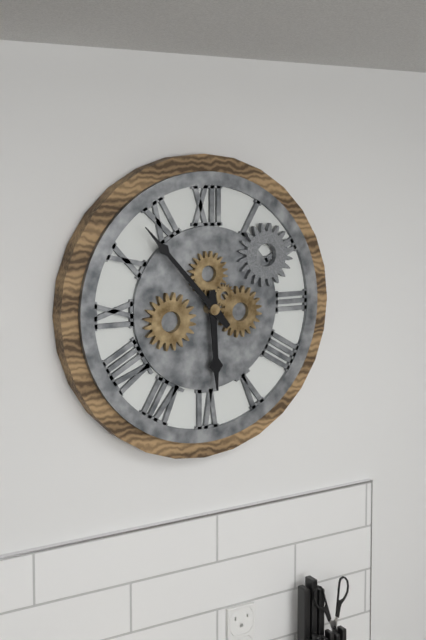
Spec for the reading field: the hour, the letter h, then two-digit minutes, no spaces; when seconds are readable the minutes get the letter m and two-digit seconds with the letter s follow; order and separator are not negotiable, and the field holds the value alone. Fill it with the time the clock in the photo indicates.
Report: 5h53
